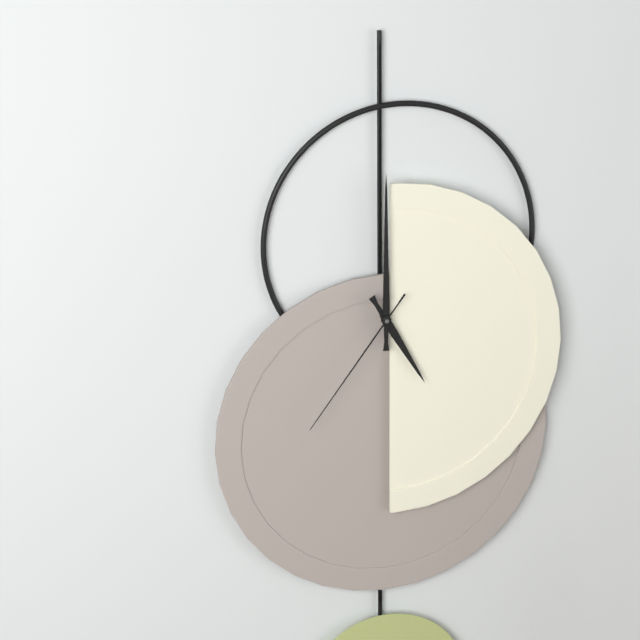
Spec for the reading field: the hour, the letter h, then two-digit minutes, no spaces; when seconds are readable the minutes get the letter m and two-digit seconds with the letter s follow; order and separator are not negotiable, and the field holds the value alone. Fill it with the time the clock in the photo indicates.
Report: 5h00m36s
